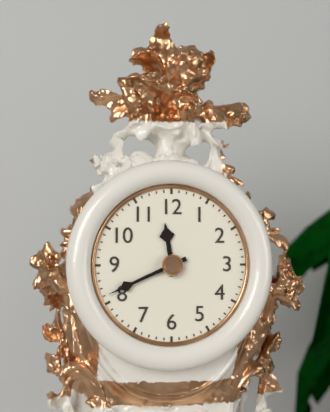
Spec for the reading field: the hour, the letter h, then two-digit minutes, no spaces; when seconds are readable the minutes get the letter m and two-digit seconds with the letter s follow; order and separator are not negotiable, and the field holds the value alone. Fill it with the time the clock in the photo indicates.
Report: 11h41
